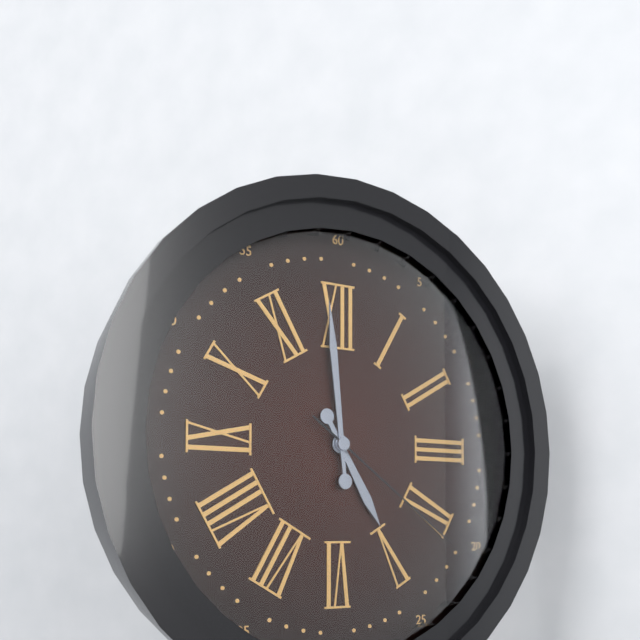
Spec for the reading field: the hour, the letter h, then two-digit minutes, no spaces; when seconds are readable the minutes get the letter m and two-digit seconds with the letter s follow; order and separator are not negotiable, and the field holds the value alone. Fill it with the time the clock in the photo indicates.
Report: 4h59m21s
